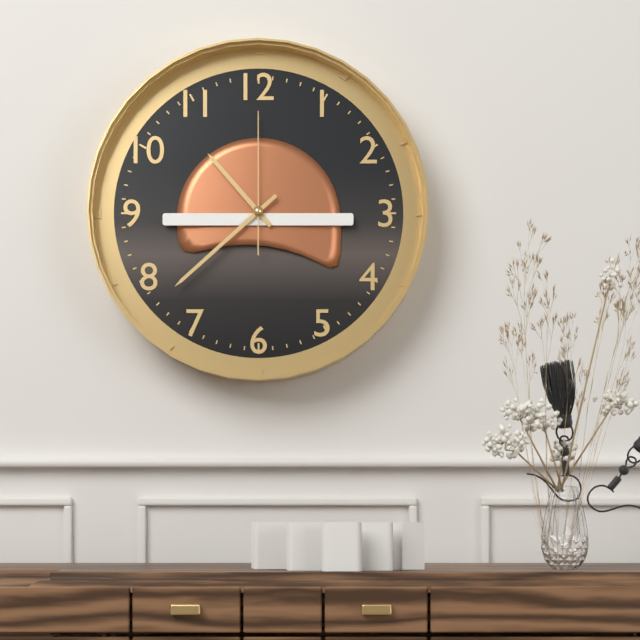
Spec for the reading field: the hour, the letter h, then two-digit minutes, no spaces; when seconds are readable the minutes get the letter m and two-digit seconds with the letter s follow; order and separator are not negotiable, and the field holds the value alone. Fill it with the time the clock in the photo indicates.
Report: 10h38m00s
